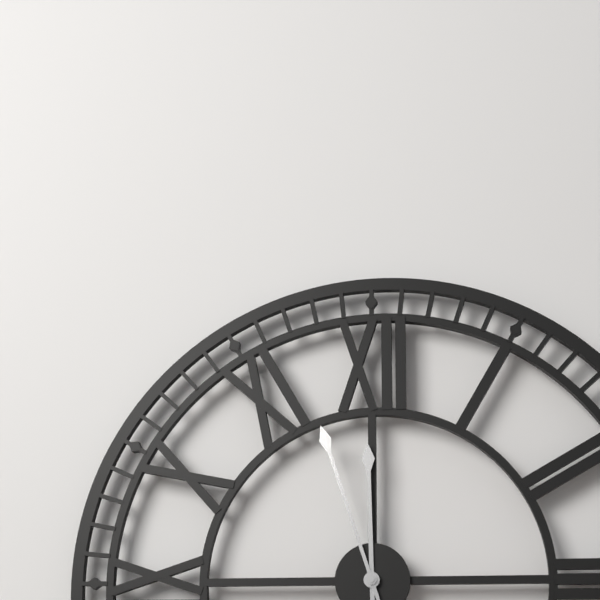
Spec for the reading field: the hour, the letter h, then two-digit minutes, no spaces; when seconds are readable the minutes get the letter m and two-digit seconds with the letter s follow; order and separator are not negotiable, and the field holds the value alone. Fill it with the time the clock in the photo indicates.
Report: 11h57
